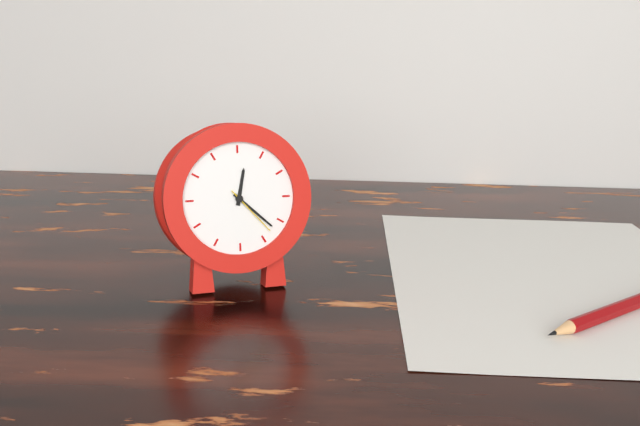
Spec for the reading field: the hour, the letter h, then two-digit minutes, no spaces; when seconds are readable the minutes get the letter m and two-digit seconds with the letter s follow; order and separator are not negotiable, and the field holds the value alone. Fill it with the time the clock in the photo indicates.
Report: 12h22m23s
